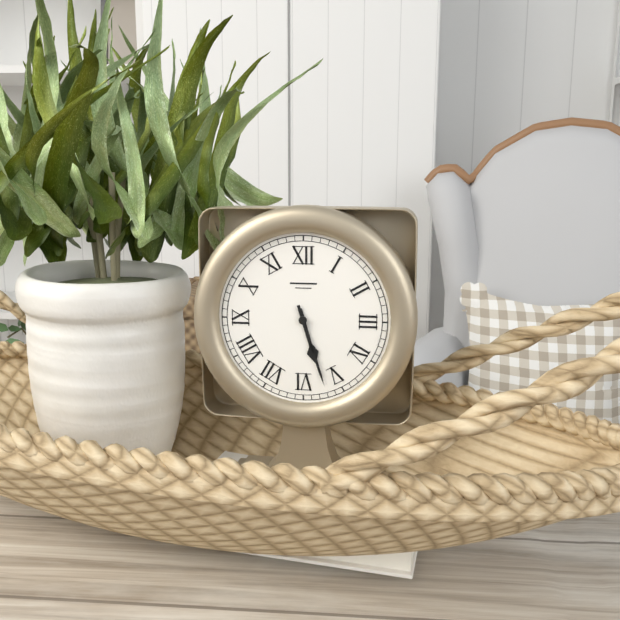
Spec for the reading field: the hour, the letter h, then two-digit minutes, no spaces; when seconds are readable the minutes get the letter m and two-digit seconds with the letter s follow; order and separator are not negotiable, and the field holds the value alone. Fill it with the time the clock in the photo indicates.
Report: 5h27
